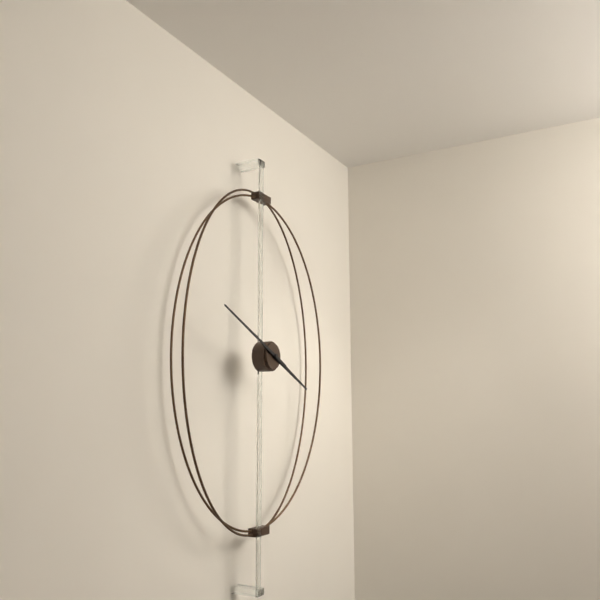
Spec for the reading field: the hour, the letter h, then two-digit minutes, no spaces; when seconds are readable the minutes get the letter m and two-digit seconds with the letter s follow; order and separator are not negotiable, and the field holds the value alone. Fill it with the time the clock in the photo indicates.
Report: 3h49
